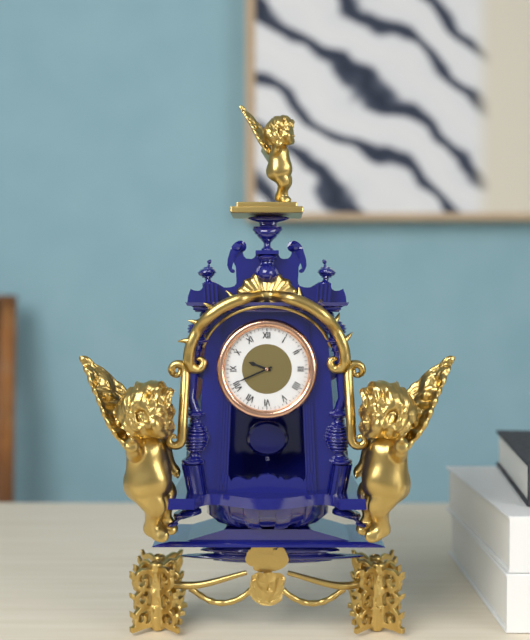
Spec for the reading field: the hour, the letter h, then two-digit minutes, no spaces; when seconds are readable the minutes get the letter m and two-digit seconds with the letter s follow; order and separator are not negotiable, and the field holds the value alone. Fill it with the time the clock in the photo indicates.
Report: 9h41
